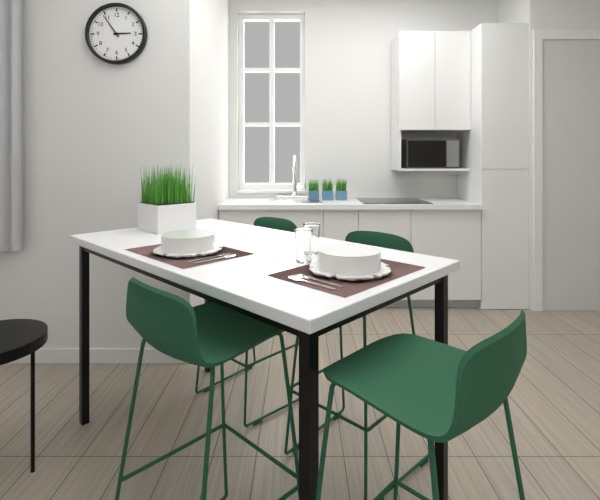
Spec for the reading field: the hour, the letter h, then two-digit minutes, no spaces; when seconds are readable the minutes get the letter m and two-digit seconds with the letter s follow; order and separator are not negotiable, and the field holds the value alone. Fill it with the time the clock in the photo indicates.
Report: 2h54
